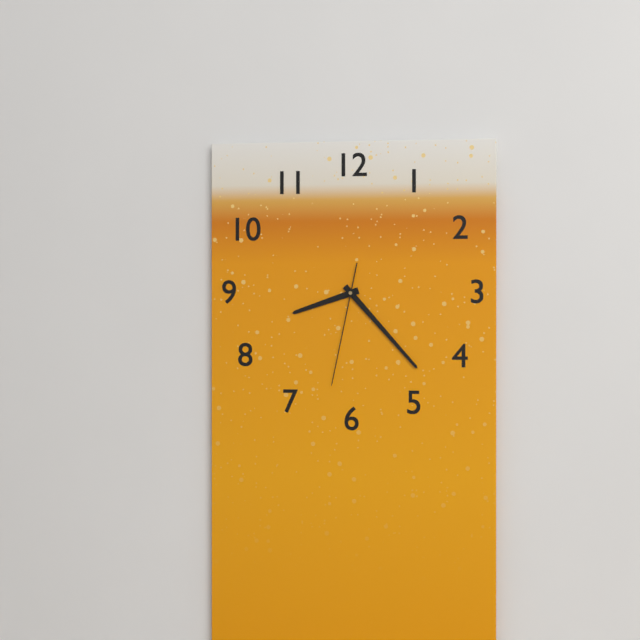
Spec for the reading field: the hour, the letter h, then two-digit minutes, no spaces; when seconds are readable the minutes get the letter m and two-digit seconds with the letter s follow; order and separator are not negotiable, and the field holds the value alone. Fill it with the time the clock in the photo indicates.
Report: 8h23m32s
